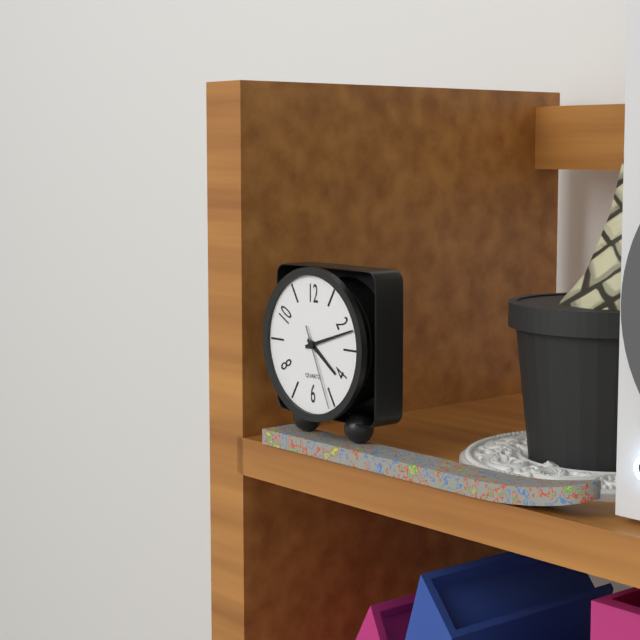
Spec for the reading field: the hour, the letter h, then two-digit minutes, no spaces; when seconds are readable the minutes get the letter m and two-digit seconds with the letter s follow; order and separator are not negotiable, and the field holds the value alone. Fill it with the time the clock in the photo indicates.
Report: 4h12m26s
